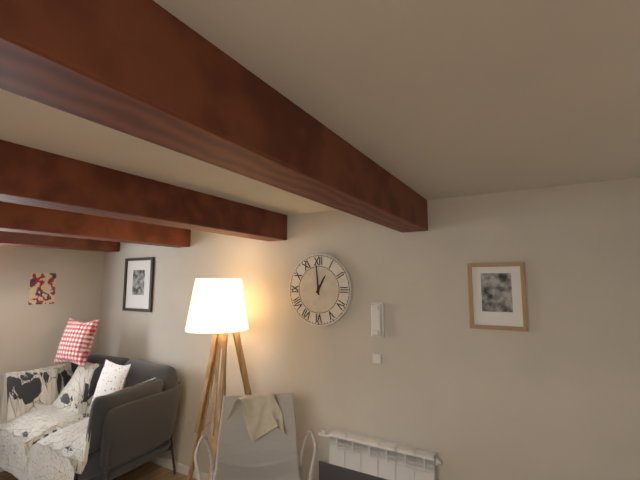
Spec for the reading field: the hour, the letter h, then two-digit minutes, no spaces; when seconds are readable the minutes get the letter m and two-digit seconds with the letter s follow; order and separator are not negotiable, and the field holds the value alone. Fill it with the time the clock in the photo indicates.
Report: 12h59
